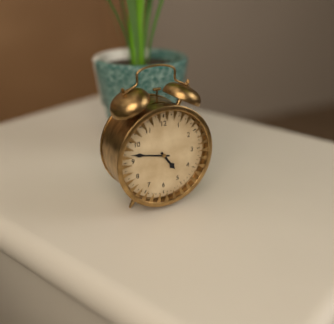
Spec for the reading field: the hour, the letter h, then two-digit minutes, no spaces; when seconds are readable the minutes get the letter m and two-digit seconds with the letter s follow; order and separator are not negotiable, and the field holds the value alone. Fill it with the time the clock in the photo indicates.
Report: 4h47
